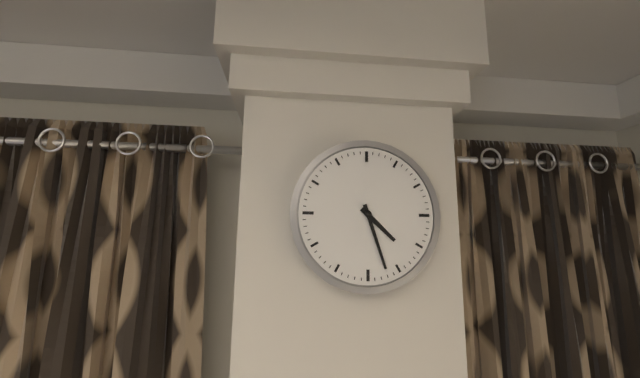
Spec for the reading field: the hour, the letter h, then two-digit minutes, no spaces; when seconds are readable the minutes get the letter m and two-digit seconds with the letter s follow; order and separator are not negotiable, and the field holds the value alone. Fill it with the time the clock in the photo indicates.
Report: 4h27
